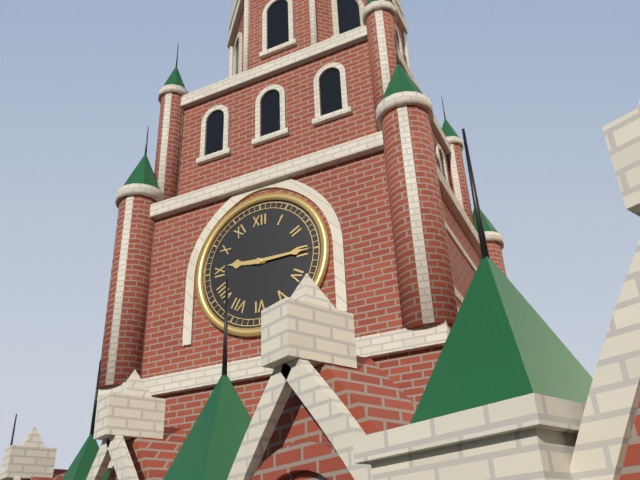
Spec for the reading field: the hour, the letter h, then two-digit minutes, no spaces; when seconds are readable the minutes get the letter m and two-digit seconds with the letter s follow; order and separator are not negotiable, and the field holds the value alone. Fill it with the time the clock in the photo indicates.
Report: 9h15
